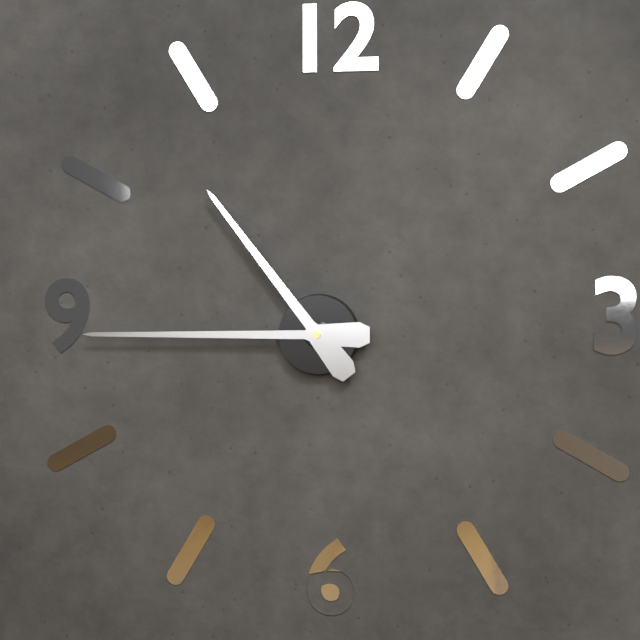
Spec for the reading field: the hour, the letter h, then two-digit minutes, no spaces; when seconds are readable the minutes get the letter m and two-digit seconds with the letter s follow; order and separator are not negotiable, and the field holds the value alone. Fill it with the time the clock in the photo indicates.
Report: 10h45
